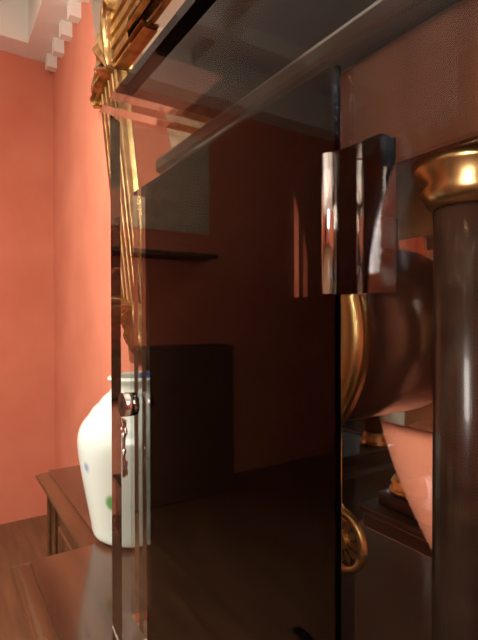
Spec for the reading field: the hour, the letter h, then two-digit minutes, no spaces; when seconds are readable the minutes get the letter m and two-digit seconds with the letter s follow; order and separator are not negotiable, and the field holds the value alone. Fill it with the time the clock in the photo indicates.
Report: 3h01
